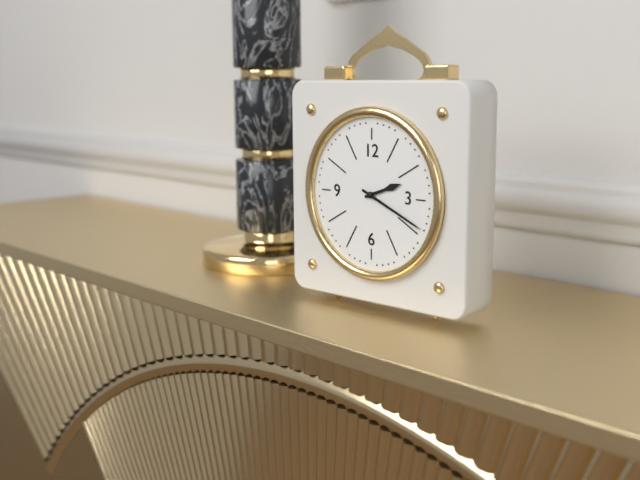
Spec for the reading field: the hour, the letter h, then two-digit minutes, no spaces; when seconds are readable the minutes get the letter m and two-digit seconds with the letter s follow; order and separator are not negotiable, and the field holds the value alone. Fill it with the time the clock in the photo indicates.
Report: 2h19
